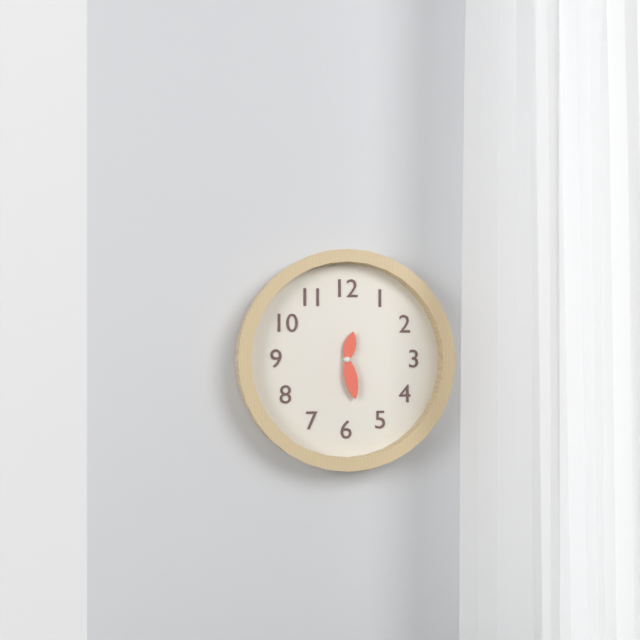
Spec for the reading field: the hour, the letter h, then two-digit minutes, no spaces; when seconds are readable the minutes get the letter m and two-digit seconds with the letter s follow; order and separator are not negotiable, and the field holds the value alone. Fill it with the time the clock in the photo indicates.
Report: 12h28
